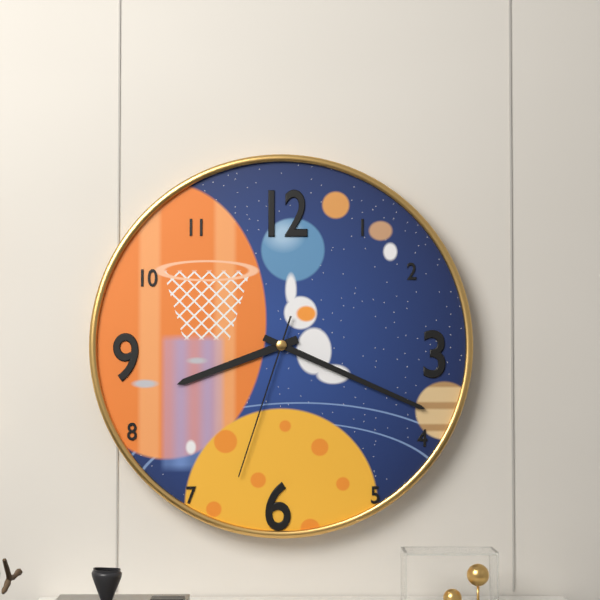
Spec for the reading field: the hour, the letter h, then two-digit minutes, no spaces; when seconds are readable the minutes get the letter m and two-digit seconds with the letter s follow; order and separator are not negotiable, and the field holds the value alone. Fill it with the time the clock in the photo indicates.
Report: 8h19m33s
